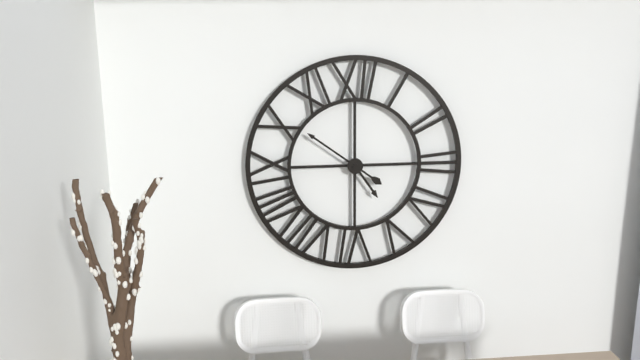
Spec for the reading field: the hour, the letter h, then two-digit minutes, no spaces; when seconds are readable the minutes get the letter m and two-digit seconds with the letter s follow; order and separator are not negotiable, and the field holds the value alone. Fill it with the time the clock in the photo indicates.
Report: 4h51
